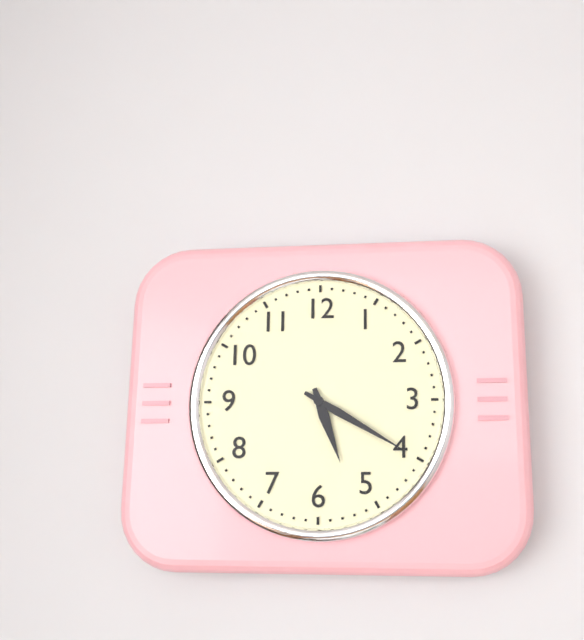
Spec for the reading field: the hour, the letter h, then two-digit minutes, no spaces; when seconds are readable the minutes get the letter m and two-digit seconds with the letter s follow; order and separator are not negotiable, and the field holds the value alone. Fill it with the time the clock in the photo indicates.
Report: 5h20
